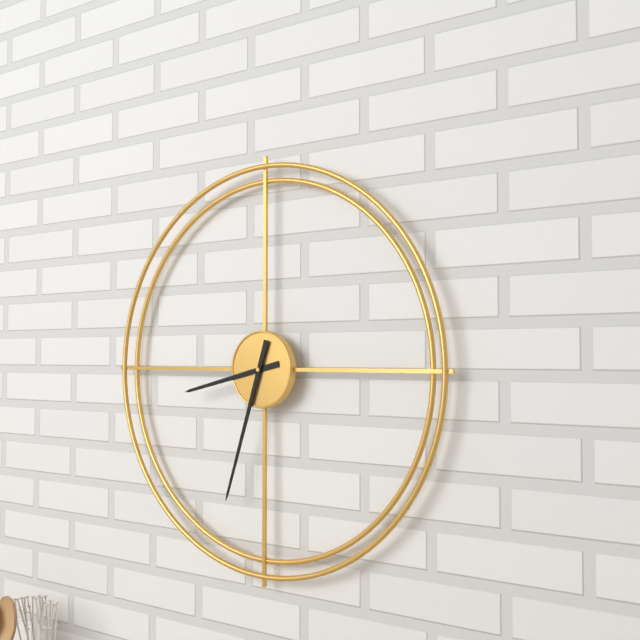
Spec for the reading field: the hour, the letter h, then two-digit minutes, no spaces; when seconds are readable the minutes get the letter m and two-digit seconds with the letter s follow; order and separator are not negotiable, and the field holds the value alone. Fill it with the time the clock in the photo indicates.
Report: 8h33
